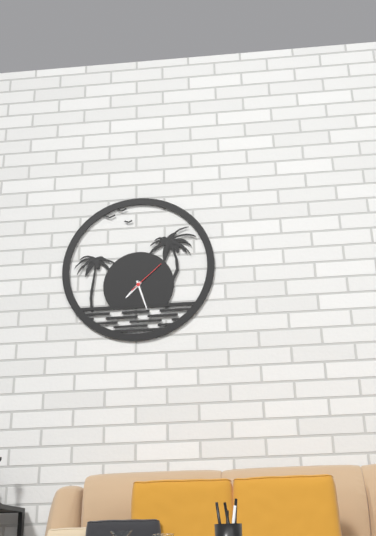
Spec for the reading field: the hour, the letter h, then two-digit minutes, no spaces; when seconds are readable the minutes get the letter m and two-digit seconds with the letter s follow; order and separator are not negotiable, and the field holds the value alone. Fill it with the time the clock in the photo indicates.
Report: 7h27
